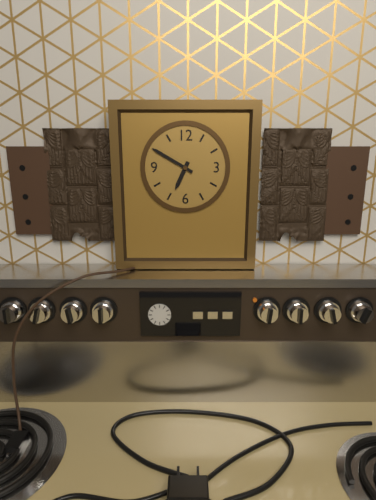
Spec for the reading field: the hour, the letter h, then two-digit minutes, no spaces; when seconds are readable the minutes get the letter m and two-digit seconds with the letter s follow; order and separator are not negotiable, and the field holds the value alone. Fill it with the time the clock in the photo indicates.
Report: 6h50
